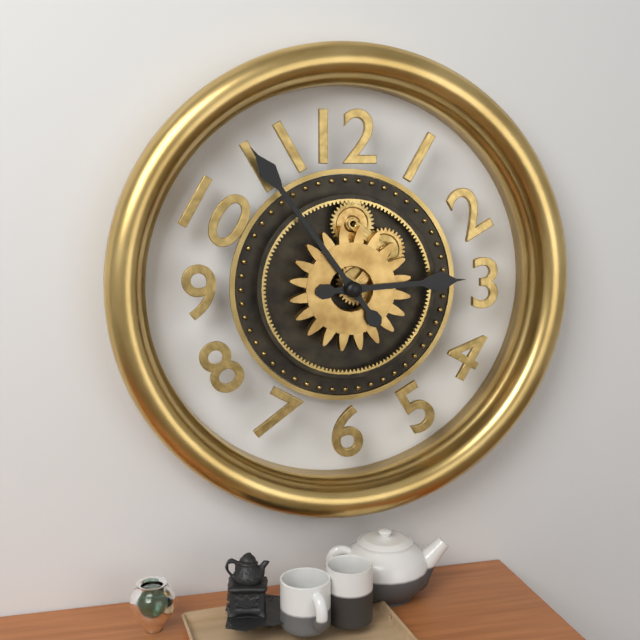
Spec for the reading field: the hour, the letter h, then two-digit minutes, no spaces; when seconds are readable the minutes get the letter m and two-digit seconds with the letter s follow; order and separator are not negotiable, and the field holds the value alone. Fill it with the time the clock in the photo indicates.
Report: 2h54
